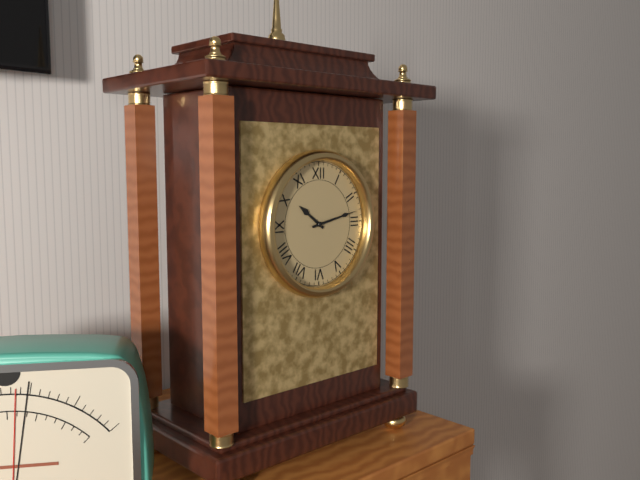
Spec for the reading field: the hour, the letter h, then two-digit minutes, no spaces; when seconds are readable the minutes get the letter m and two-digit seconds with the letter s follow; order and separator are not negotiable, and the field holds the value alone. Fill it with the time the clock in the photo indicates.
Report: 10h13
